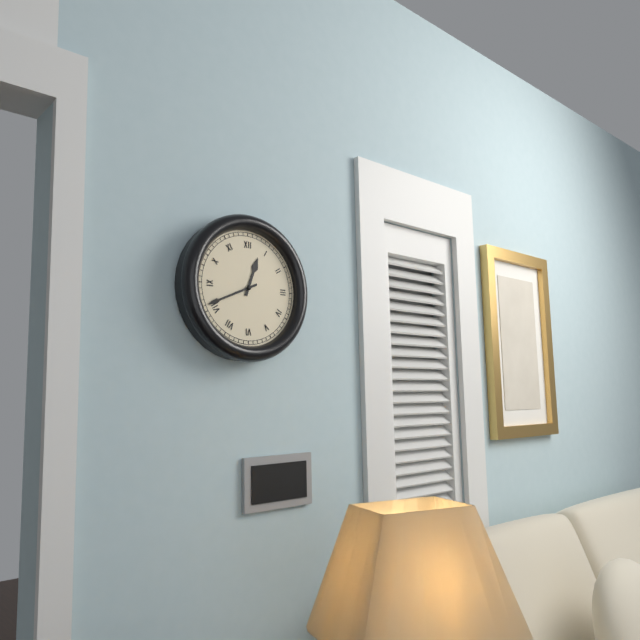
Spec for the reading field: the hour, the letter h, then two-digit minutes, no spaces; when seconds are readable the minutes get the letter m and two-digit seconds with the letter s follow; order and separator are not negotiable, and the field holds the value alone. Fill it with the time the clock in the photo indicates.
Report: 12h41
